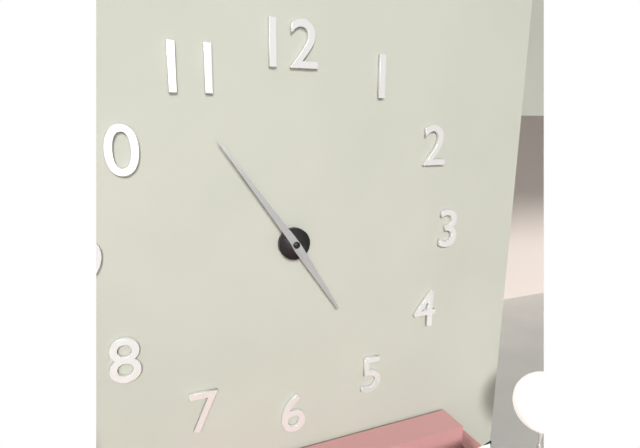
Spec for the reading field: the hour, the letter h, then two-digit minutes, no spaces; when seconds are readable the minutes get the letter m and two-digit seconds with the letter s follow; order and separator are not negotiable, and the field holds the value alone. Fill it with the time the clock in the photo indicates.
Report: 4h54
